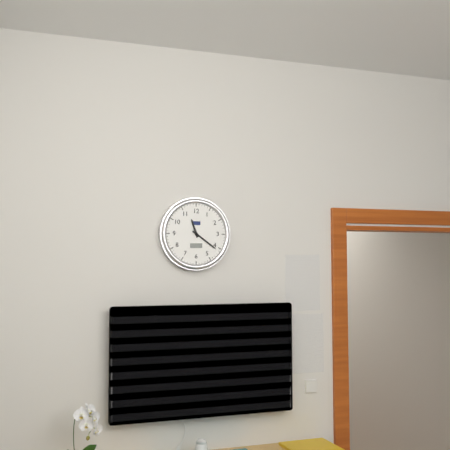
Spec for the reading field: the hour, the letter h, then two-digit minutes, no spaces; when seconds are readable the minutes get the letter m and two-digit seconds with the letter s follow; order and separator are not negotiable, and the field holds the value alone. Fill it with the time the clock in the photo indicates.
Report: 11h21
